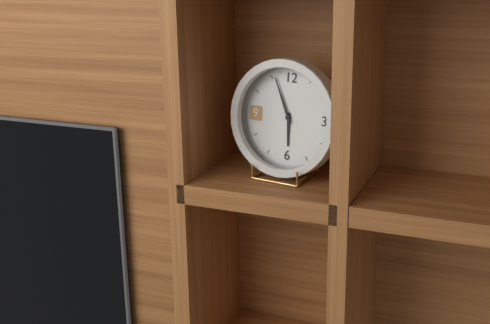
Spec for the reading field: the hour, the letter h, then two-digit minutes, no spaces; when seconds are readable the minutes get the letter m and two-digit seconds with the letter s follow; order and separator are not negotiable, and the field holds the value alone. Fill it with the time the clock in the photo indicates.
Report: 5h56
